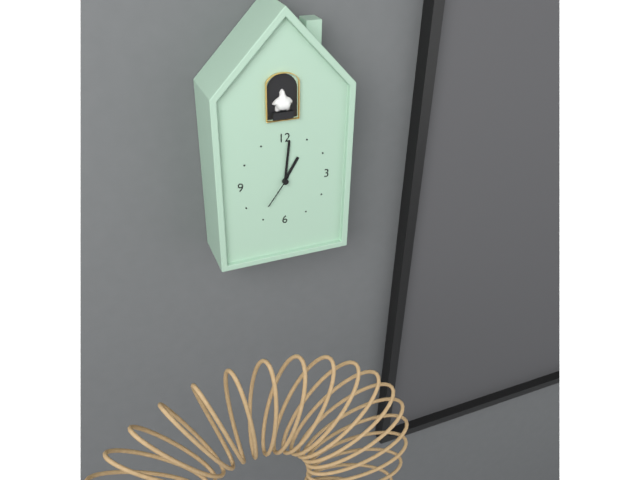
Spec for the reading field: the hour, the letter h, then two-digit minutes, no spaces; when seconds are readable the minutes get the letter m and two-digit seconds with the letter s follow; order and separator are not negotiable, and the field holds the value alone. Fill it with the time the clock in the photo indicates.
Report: 1h01
